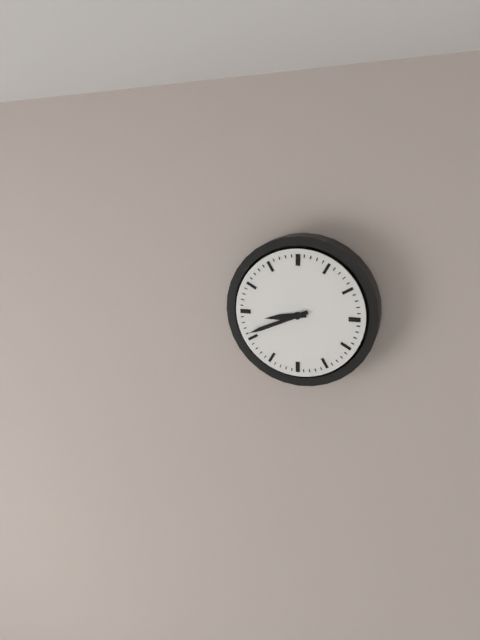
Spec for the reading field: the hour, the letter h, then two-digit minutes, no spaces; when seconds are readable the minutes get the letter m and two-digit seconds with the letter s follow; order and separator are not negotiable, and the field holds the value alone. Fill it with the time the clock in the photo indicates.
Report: 8h41
